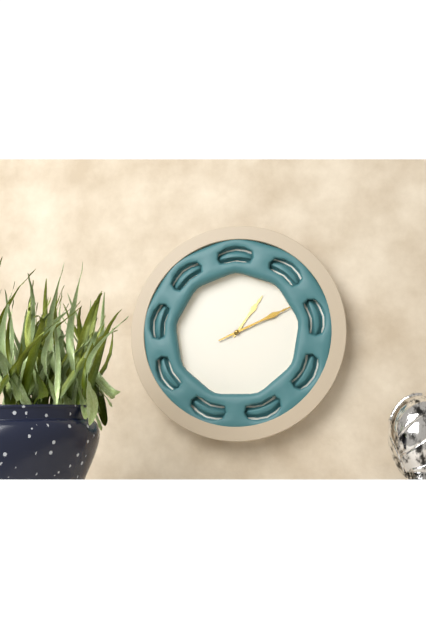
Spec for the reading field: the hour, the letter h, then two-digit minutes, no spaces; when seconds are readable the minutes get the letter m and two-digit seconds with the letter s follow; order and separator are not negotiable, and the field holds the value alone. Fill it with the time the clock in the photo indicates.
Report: 1h11
